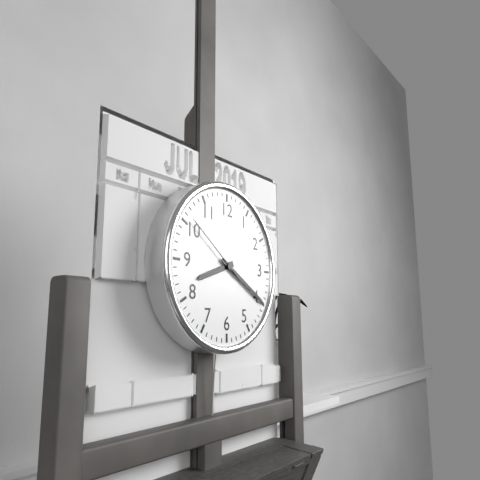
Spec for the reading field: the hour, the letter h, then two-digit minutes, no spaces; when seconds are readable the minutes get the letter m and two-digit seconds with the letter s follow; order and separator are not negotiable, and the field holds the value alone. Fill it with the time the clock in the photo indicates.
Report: 8h20m51s
